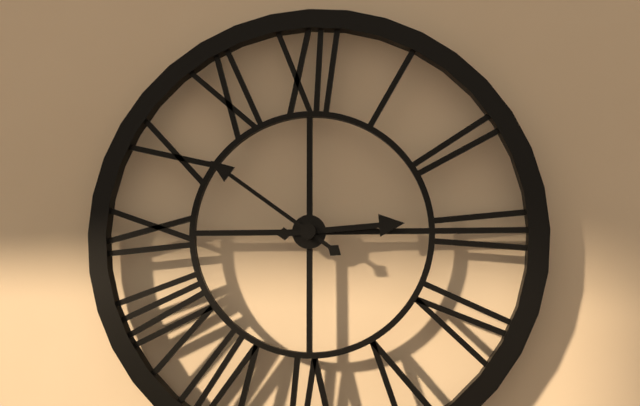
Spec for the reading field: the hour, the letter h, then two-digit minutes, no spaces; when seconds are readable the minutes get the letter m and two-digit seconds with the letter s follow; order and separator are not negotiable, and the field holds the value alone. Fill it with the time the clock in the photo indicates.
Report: 2h51
